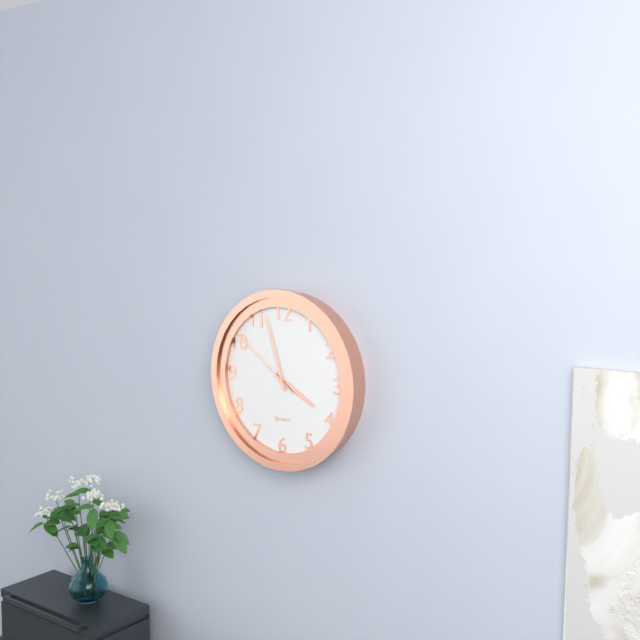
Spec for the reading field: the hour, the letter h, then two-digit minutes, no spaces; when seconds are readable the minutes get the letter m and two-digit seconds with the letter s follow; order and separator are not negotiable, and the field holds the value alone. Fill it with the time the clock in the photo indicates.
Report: 3h57m51s
